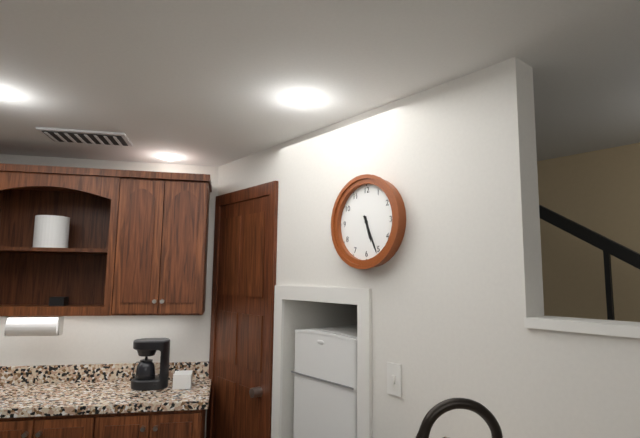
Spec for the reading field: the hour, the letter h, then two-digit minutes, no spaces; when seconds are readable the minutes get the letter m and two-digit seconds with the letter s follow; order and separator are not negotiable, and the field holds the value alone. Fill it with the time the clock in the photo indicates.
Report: 5h26
